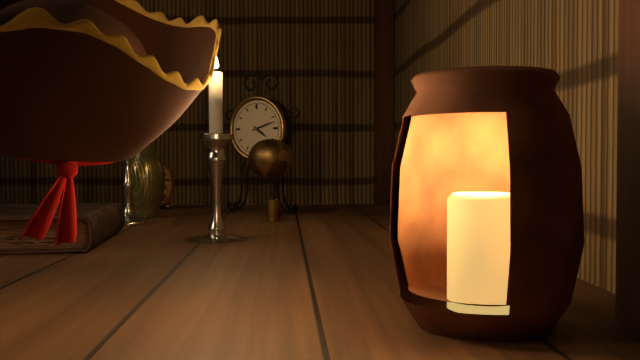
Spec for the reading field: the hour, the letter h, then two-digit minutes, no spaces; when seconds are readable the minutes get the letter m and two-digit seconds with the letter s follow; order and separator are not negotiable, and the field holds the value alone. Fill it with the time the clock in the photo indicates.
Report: 4h12
